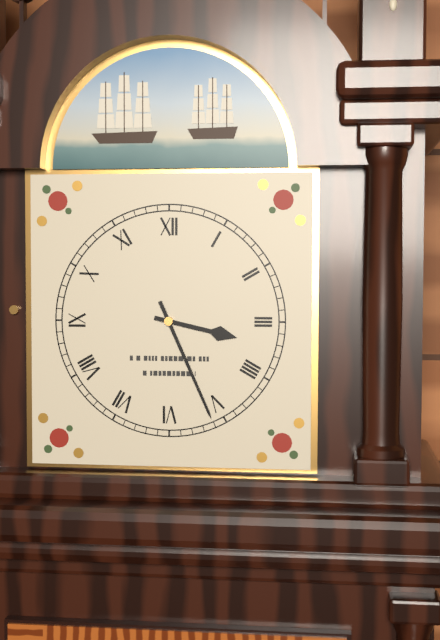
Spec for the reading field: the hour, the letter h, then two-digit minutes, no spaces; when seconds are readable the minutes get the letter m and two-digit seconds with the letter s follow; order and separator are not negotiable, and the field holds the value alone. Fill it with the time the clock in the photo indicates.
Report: 3h26
